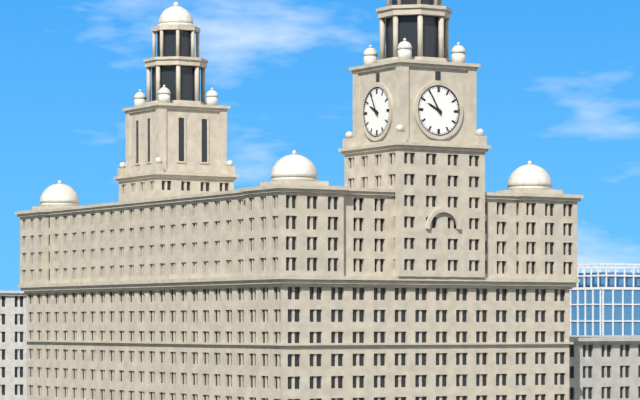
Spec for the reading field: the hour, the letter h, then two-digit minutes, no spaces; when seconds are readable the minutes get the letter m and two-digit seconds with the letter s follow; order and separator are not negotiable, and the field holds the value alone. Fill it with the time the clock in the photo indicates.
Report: 9h55
